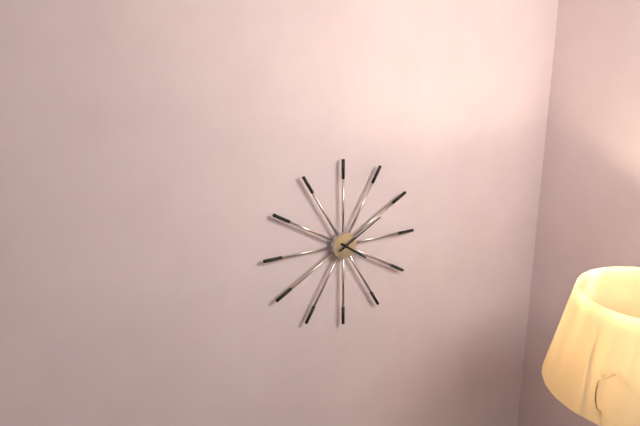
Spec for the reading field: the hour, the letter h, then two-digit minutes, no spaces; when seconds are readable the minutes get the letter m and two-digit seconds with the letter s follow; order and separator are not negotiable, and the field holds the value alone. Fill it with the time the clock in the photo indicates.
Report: 4h10
